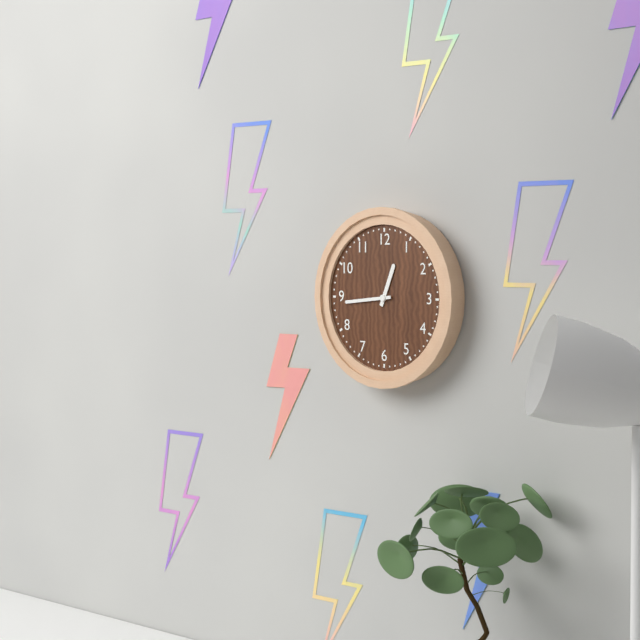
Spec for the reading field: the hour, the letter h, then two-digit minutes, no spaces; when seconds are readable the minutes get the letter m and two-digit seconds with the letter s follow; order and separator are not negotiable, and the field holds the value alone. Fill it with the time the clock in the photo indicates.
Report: 12h44
